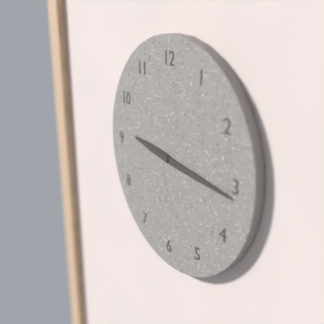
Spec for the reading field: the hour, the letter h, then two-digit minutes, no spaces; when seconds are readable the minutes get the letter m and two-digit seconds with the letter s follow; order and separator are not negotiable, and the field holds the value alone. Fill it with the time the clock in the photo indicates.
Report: 9h16
